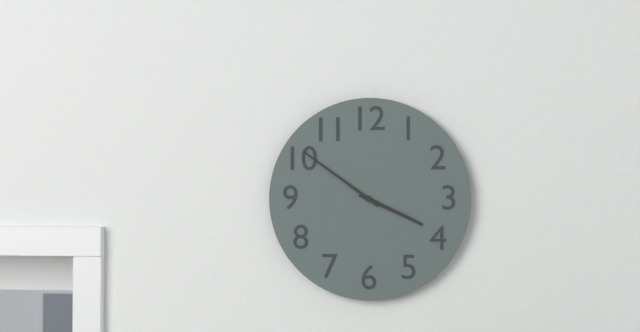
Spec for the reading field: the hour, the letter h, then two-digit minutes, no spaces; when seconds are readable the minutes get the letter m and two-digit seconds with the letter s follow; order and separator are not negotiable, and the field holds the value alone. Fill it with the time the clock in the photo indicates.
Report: 3h51
